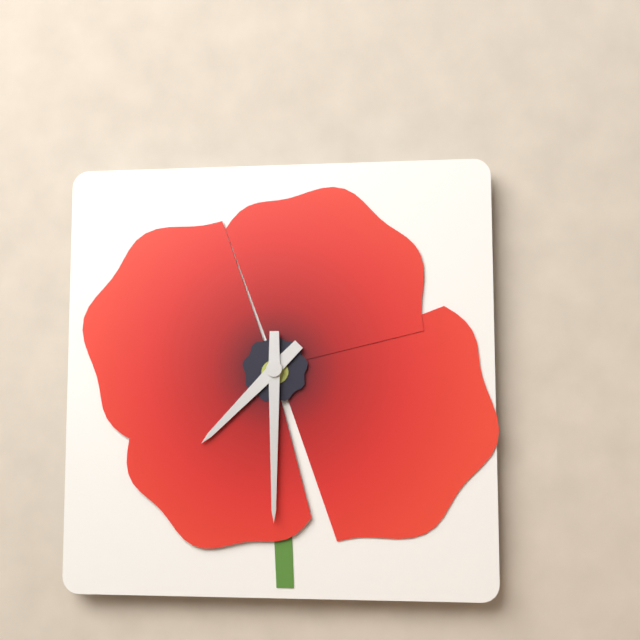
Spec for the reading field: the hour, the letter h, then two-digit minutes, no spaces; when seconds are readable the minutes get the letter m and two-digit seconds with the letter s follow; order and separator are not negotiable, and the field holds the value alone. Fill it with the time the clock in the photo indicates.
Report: 7h30
